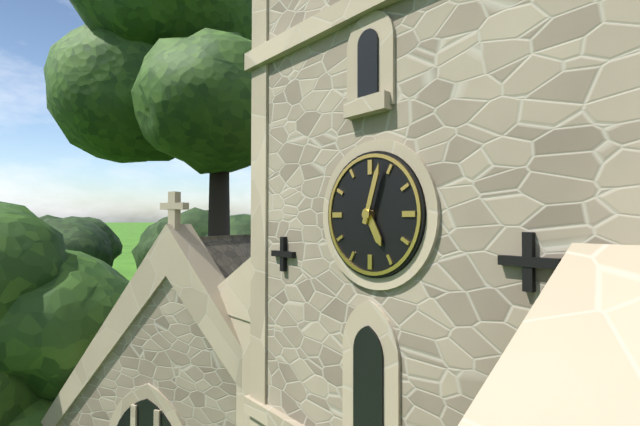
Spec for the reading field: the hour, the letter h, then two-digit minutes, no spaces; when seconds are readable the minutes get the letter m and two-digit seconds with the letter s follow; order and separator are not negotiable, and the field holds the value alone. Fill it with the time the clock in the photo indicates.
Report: 5h03
